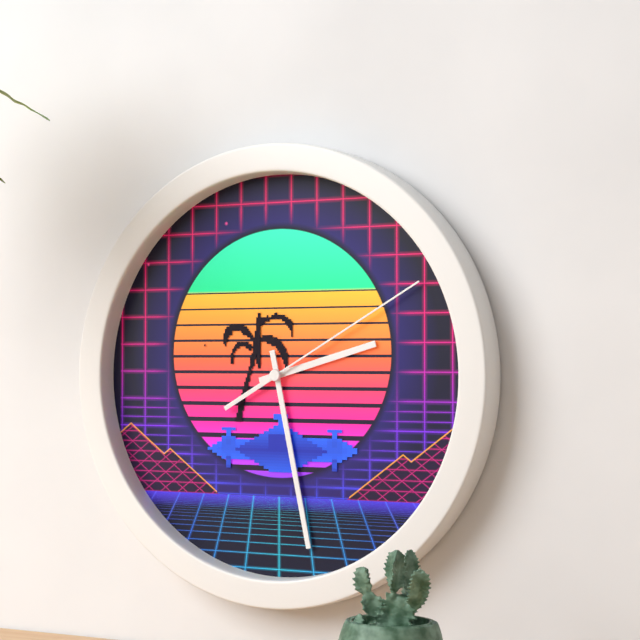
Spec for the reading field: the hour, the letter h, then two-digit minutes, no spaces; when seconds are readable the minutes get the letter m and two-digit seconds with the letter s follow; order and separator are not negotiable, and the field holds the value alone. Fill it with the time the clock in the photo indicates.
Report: 2h28m10s
